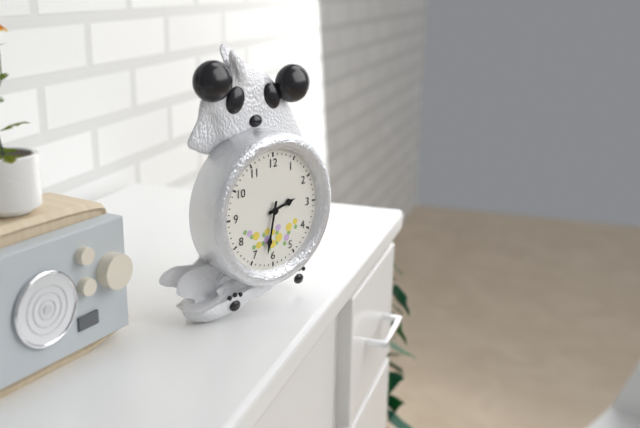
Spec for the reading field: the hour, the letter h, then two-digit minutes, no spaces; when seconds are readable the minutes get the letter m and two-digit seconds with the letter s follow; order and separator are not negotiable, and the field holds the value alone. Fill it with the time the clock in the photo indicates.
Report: 2h32
